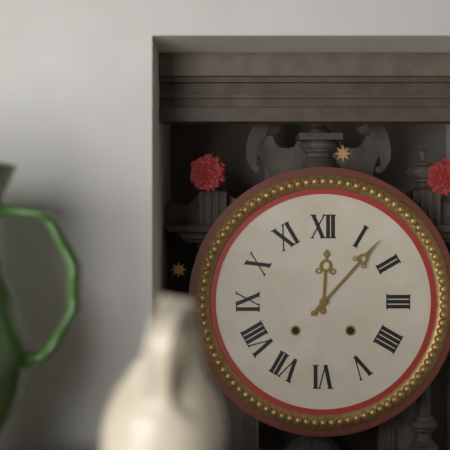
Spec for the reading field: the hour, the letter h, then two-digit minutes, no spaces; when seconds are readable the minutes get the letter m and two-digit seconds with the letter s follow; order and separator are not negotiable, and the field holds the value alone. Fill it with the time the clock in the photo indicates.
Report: 12h07
